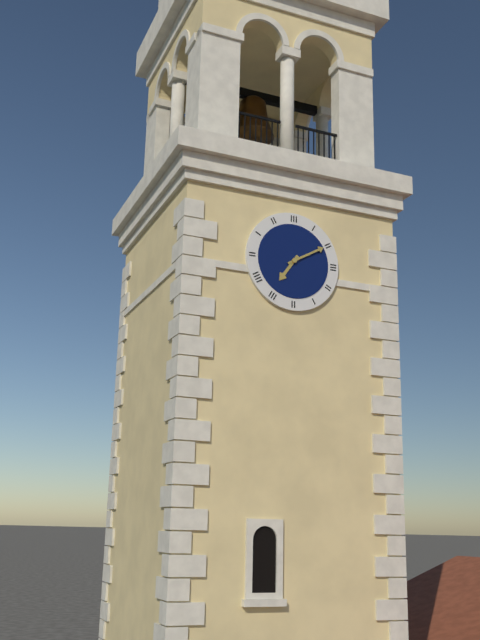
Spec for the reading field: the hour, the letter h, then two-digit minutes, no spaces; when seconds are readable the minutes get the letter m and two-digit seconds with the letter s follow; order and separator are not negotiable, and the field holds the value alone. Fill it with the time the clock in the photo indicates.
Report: 7h10
